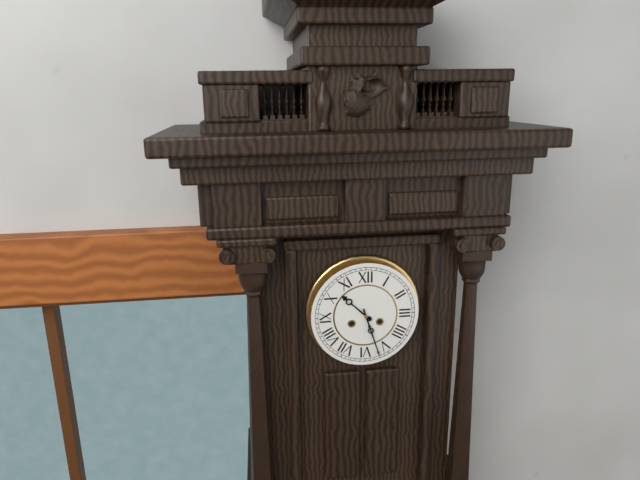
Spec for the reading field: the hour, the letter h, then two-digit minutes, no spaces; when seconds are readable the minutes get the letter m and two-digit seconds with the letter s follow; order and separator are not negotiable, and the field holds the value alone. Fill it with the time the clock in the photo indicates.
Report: 10h27
